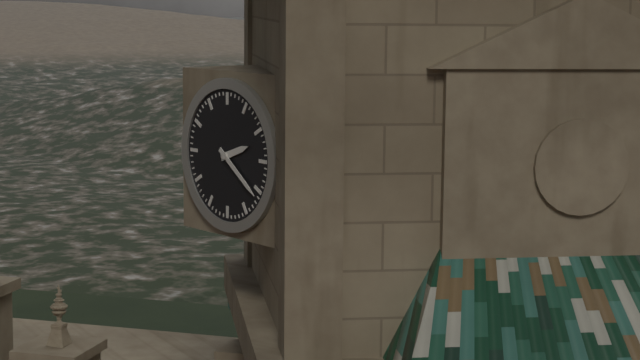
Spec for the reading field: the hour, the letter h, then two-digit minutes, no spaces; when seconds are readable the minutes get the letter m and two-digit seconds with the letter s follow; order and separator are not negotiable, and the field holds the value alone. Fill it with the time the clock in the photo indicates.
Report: 2h21
